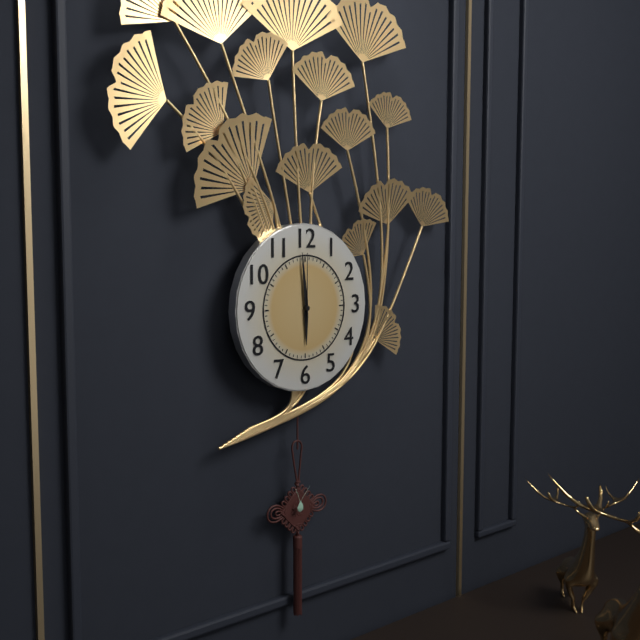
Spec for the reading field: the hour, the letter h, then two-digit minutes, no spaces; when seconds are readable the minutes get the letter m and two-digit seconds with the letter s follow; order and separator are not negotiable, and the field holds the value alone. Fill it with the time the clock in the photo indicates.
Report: 5h59m00s
